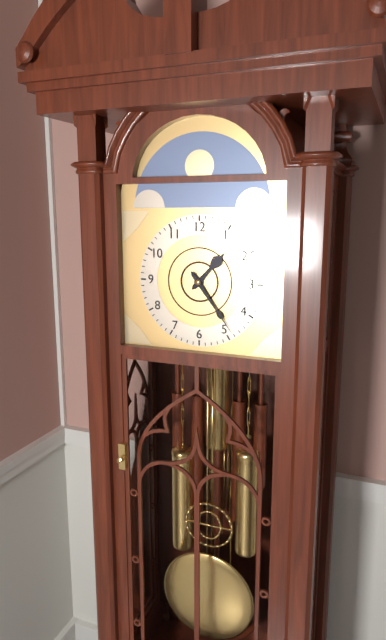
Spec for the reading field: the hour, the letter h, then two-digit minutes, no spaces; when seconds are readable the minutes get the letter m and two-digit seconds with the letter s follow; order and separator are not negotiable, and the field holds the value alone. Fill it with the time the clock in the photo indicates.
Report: 1h24
